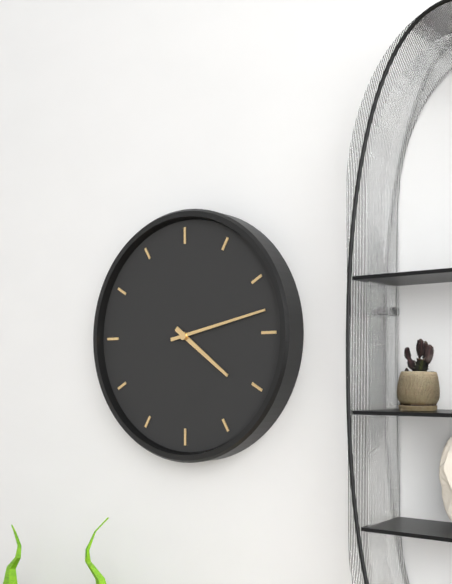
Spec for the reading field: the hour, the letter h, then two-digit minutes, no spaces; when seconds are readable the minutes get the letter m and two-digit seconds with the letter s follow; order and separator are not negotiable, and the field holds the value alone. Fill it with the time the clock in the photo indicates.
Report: 4h13
